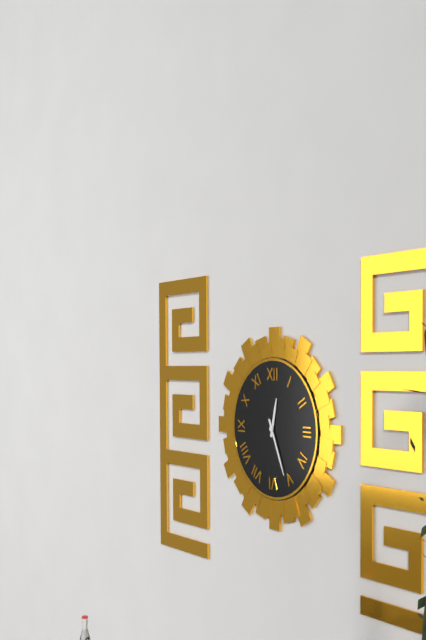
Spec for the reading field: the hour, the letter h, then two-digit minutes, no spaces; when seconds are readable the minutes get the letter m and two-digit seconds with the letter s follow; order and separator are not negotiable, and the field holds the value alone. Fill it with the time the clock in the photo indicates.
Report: 12h26
